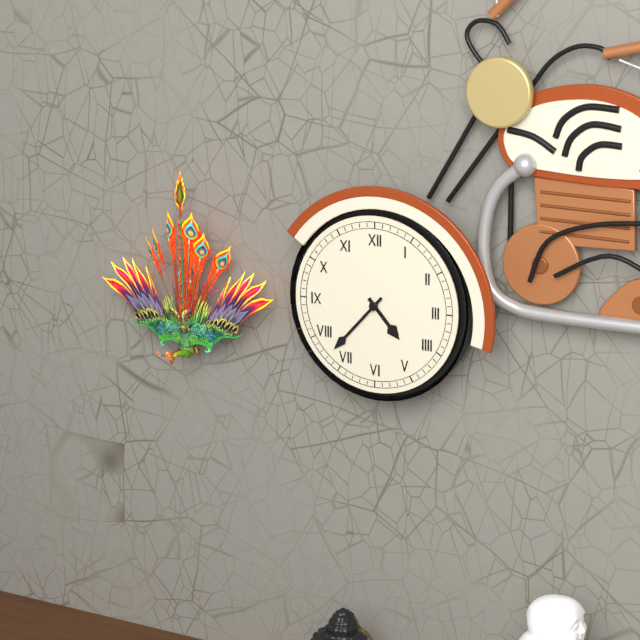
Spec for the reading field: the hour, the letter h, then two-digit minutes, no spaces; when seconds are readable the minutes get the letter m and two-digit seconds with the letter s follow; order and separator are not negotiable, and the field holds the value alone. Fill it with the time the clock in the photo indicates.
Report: 4h37
